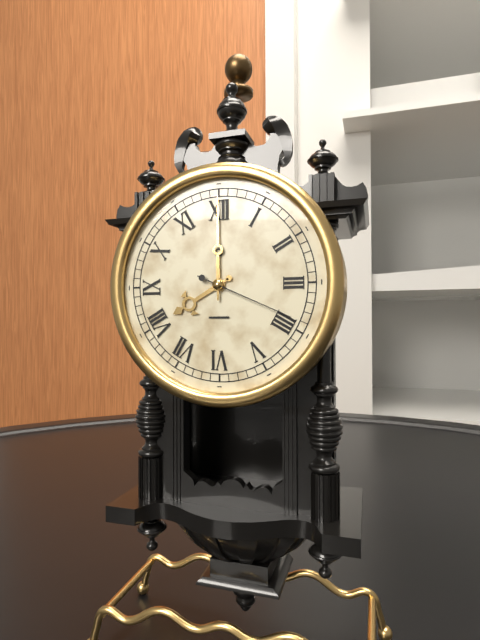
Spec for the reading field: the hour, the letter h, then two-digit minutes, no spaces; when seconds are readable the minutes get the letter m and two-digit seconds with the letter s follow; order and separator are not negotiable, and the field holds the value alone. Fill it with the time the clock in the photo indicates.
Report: 8h00m19s
